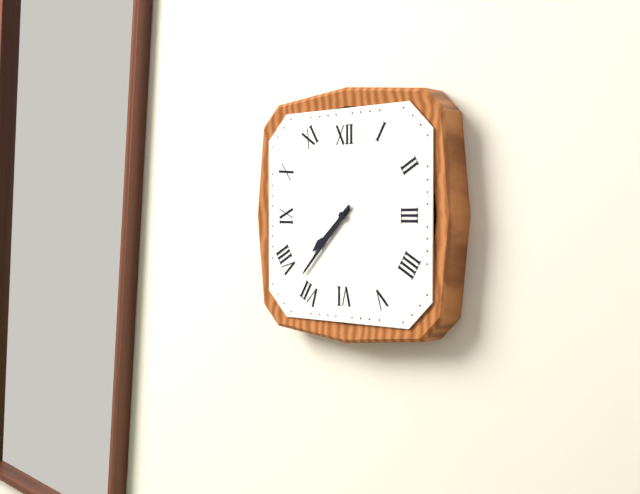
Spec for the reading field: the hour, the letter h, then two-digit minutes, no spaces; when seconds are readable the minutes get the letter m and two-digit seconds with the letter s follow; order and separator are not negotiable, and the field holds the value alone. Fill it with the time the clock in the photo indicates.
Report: 7h37
